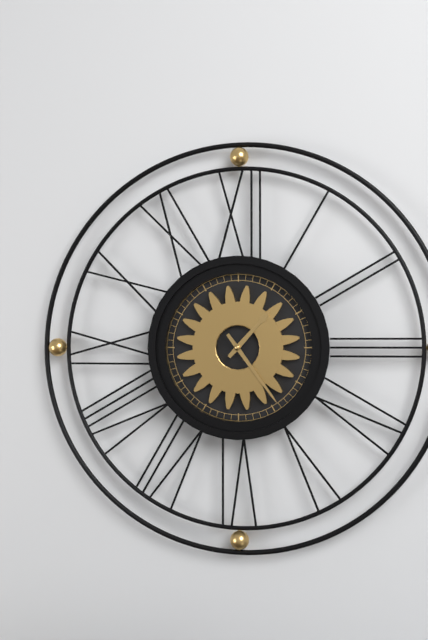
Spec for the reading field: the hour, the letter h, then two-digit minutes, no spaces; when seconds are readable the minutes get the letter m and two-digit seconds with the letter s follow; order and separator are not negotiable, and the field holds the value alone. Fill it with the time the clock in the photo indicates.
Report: 1h24
